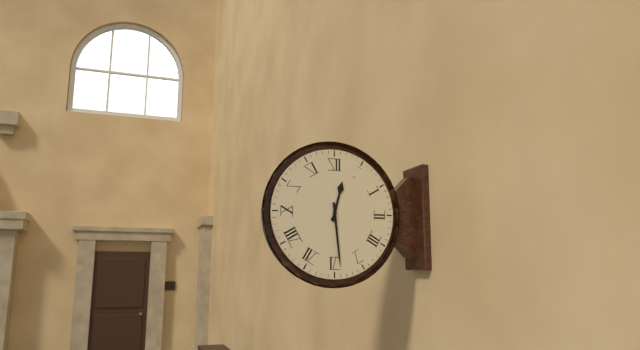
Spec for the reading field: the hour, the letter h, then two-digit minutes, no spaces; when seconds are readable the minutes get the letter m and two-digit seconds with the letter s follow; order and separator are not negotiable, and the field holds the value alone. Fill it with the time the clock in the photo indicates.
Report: 12h29
